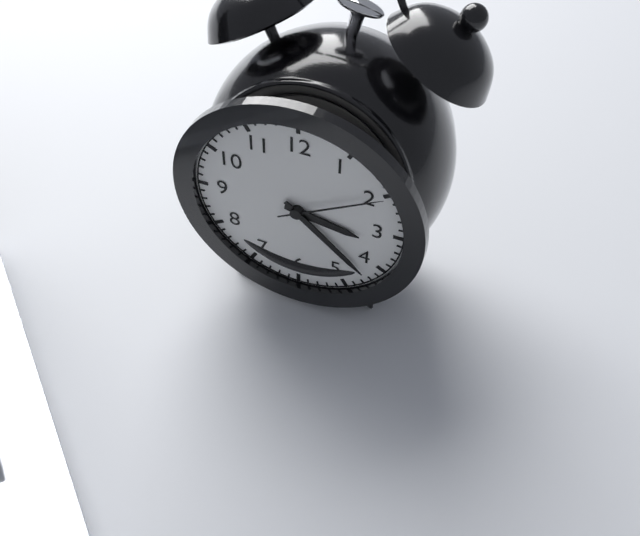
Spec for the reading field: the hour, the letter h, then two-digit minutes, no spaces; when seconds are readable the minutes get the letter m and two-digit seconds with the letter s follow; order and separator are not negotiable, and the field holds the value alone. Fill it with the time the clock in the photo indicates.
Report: 3h22m10s
